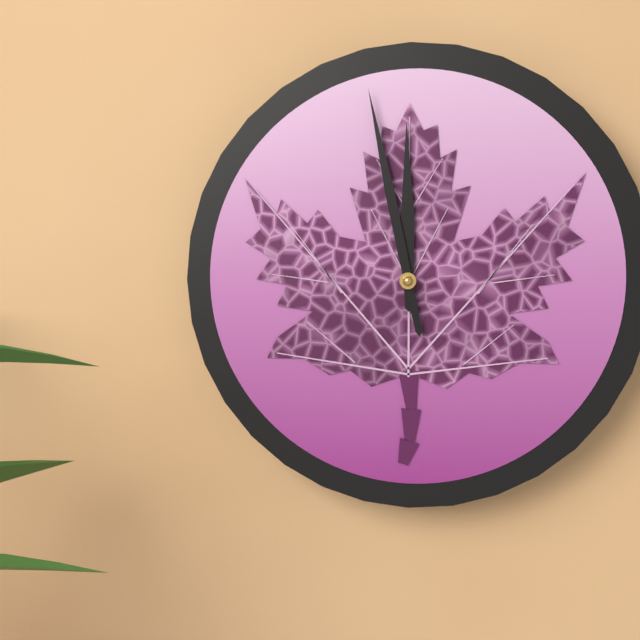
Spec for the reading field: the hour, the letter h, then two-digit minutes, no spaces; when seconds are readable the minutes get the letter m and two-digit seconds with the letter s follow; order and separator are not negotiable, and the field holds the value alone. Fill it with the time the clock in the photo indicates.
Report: 11h58
